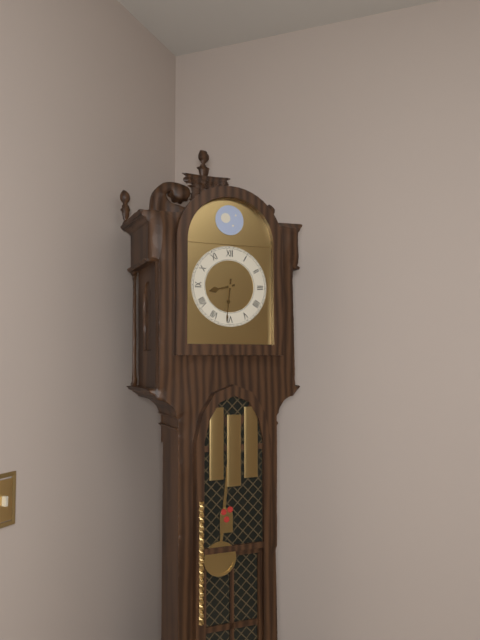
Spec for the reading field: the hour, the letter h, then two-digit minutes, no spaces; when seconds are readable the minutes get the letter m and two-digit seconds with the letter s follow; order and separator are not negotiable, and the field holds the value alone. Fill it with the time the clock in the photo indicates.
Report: 8h31
